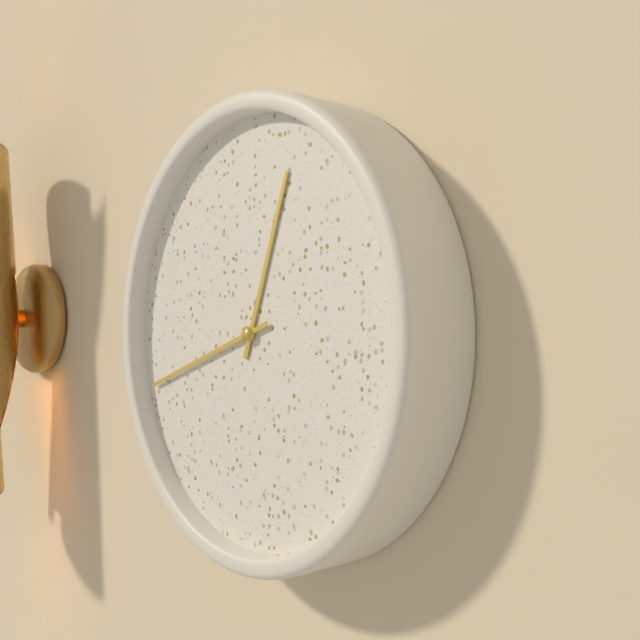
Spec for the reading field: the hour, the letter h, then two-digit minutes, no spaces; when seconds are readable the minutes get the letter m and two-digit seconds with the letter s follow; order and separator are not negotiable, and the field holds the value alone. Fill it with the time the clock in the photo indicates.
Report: 12h42
